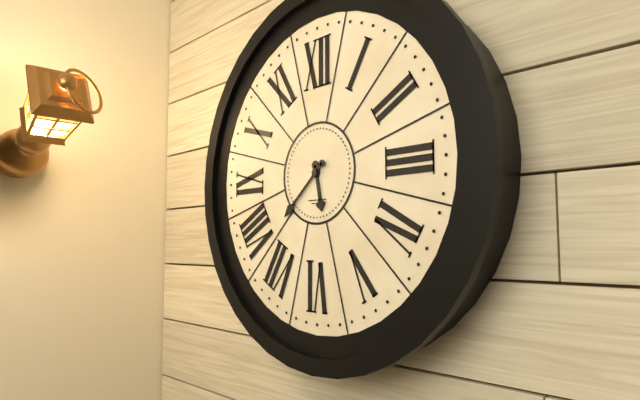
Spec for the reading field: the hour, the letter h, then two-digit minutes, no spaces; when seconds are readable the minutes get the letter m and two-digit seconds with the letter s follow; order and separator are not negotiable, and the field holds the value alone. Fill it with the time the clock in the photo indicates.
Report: 5h38
